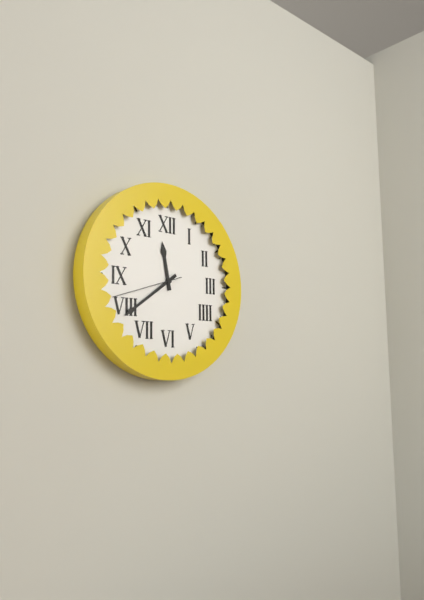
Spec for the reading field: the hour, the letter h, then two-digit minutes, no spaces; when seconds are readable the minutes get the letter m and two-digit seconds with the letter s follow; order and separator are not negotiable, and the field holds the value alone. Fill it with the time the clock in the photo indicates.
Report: 11h39m42s
